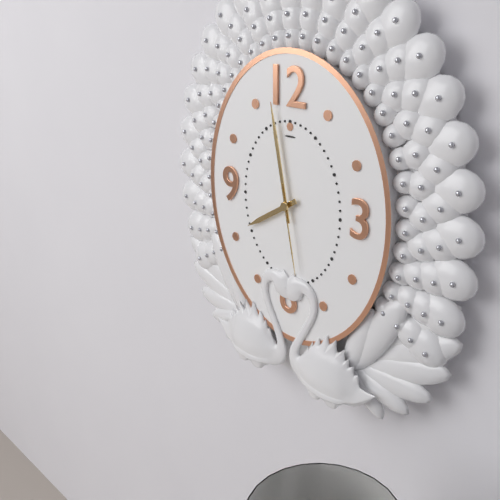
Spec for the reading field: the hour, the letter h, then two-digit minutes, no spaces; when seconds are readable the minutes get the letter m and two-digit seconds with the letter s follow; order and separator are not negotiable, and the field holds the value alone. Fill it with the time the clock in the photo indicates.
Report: 7h58m28s
